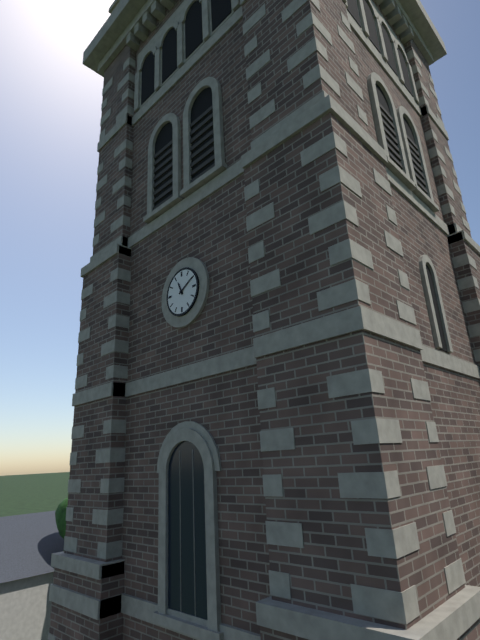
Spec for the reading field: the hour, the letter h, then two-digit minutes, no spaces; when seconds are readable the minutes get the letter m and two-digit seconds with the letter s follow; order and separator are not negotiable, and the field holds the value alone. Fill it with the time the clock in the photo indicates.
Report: 11h10
